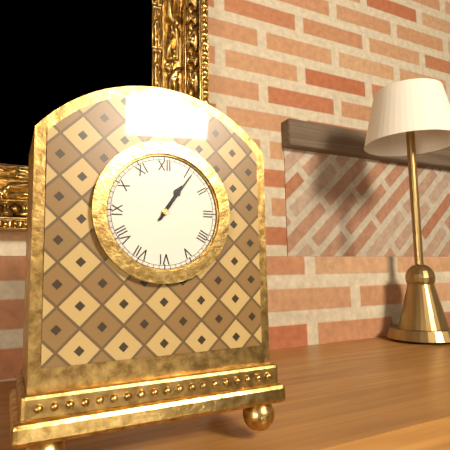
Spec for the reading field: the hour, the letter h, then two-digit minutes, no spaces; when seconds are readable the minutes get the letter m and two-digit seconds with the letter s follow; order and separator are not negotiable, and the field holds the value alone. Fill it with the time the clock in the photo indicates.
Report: 1h06
